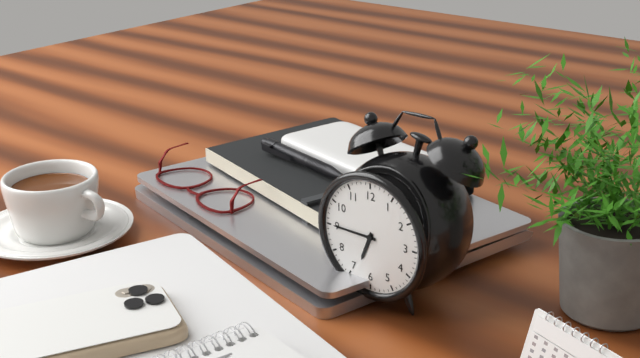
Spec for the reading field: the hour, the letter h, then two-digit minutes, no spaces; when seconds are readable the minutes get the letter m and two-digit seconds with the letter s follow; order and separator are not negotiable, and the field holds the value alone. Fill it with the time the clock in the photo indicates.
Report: 6h45
